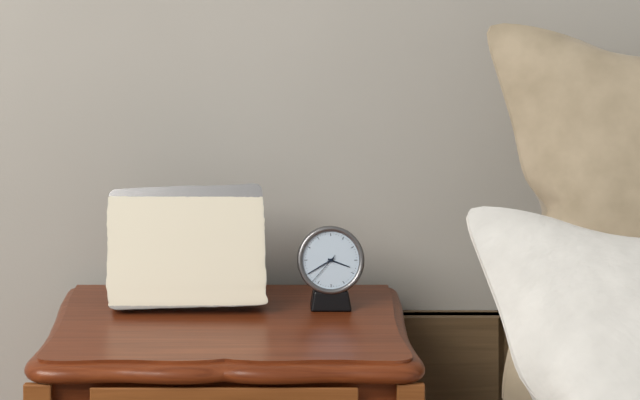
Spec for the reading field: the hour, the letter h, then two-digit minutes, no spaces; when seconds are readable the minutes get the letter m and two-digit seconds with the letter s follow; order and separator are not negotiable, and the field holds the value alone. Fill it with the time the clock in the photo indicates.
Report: 3h40
